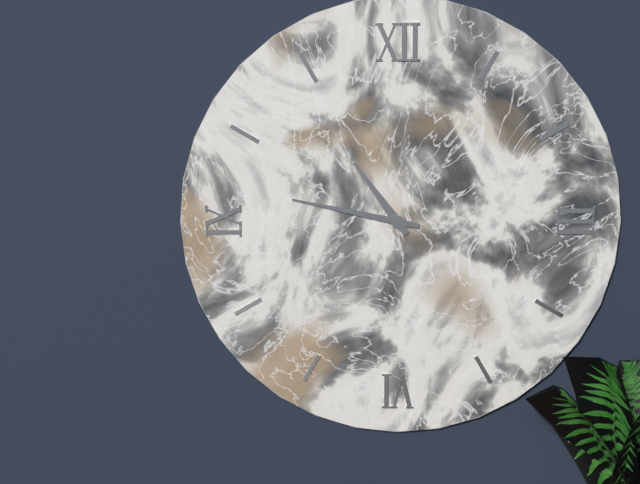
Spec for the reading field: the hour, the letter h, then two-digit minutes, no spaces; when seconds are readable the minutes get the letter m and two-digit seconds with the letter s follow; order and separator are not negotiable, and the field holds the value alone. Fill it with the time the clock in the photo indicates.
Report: 10h47
